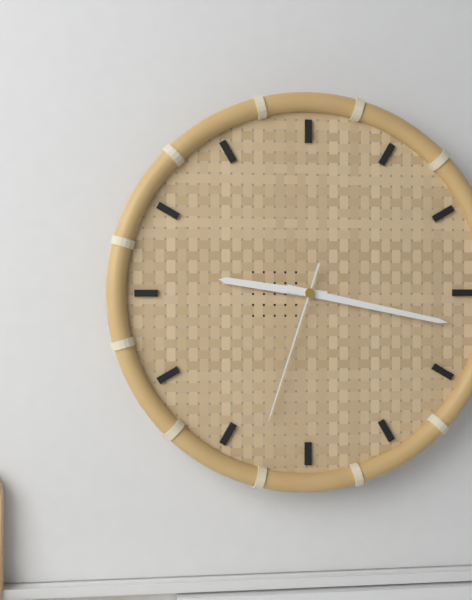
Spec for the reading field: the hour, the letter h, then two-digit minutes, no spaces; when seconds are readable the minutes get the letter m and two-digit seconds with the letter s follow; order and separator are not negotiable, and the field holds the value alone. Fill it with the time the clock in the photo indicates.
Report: 9h17m33s
